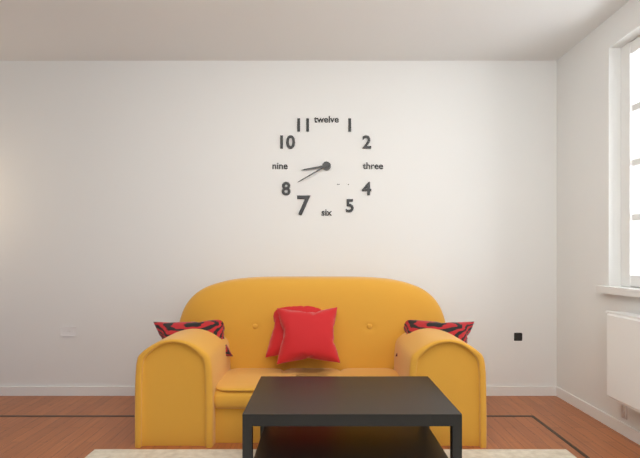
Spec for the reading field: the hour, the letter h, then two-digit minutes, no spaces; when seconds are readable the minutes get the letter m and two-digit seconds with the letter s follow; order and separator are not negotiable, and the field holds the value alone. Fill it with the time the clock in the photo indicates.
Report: 8h40
